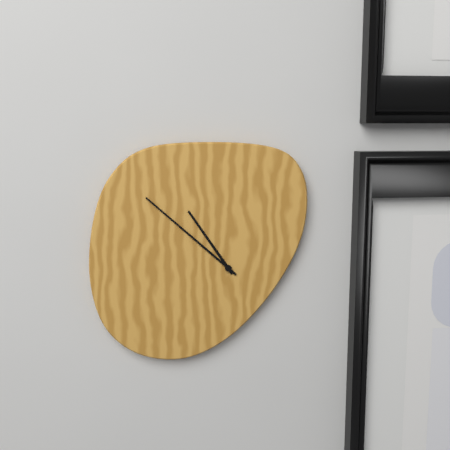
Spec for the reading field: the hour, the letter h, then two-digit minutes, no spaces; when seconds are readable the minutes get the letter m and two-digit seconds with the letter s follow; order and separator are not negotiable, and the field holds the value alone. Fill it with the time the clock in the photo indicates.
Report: 10h52
